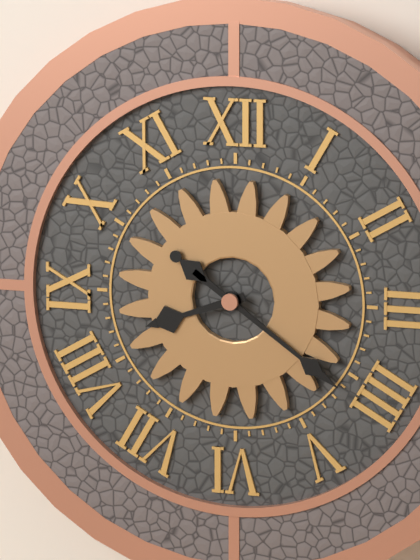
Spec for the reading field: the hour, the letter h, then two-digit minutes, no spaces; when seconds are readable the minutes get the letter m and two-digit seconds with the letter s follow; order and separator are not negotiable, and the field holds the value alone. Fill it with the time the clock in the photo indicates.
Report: 8h21
